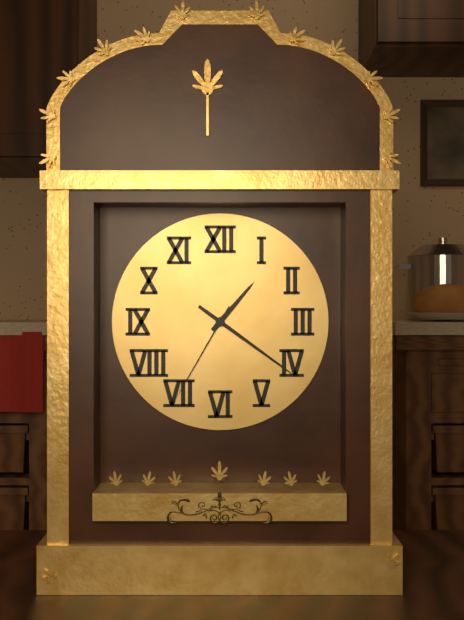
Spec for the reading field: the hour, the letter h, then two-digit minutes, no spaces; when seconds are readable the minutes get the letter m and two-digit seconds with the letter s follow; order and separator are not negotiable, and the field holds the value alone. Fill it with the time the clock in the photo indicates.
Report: 1h21m35s
